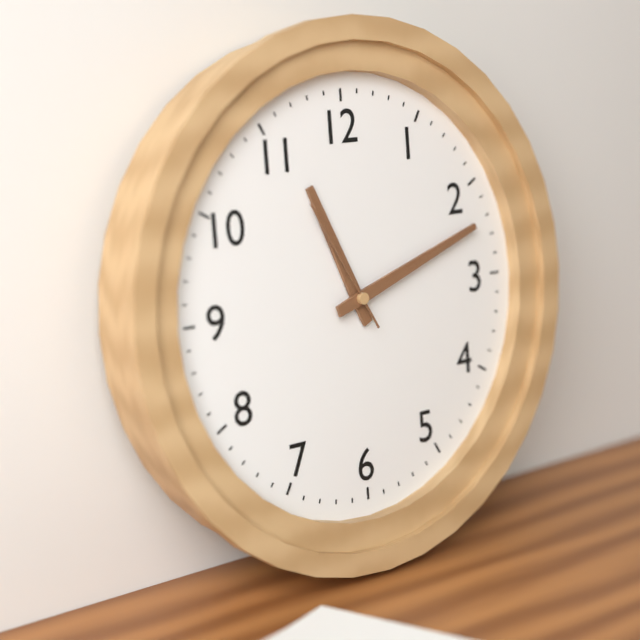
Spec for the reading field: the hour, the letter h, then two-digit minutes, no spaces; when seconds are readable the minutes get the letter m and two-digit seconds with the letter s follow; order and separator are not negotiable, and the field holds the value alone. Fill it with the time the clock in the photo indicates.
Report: 11h12m55s
